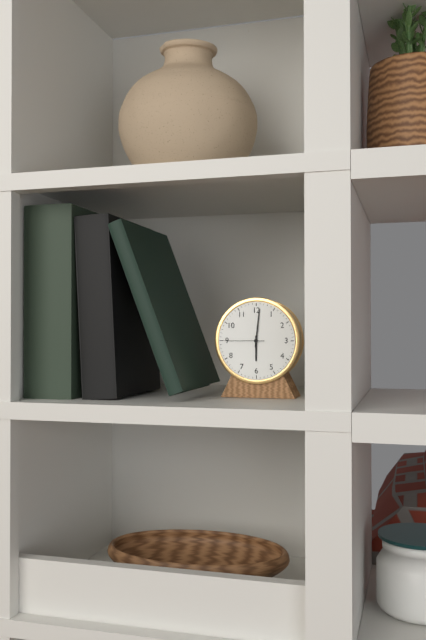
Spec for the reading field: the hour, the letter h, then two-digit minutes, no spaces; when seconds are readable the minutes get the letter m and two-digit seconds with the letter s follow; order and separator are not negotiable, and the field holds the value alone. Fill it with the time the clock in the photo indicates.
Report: 6h01
